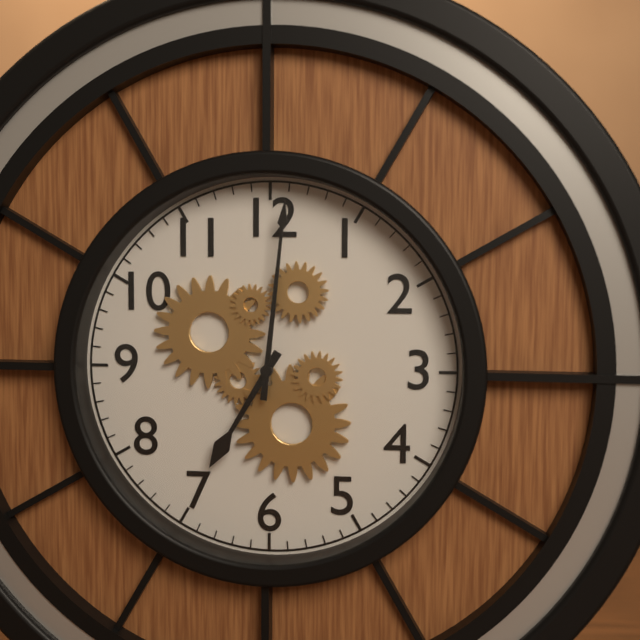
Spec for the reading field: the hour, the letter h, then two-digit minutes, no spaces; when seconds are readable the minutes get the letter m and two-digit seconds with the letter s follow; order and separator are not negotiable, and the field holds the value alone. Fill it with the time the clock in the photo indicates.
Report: 7h01
